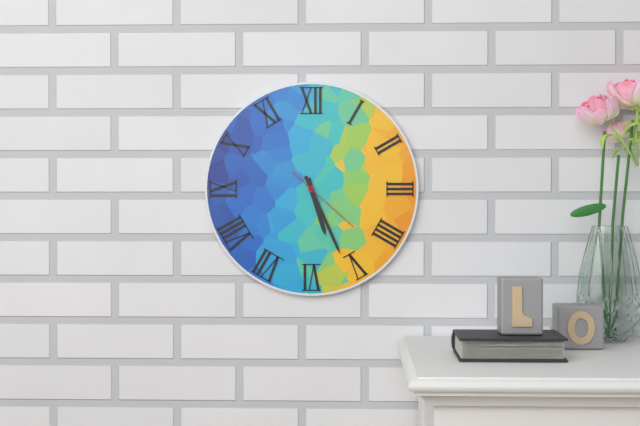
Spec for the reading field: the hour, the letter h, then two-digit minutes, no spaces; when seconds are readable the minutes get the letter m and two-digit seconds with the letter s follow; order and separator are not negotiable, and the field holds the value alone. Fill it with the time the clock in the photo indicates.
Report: 5h26m22s
